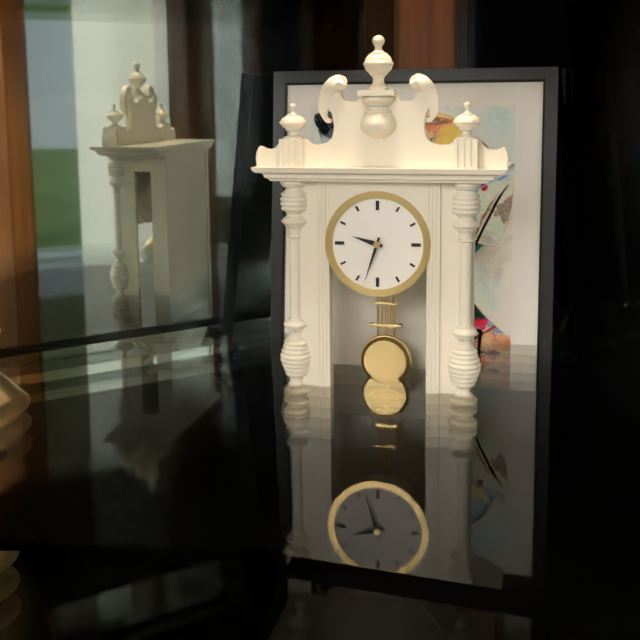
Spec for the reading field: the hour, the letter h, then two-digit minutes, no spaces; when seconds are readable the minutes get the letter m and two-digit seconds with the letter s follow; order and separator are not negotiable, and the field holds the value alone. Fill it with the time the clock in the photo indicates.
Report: 9h33
